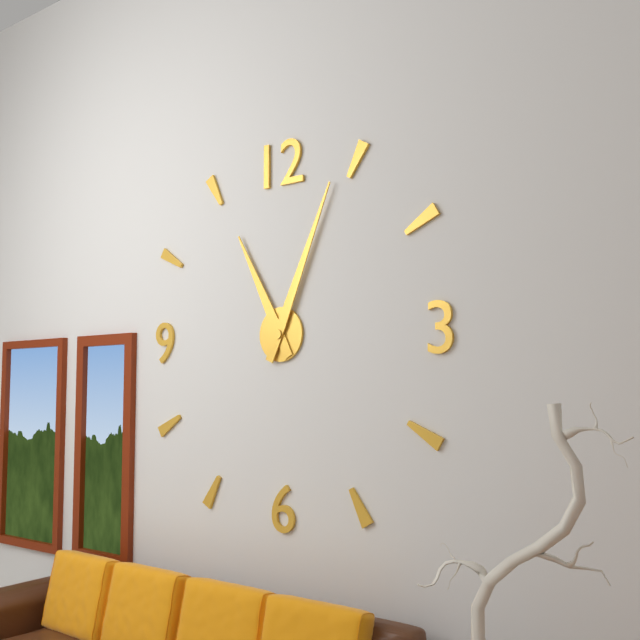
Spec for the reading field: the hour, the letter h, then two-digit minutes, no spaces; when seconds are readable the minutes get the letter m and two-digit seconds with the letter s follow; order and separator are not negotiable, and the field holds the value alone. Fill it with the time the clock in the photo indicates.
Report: 11h04
